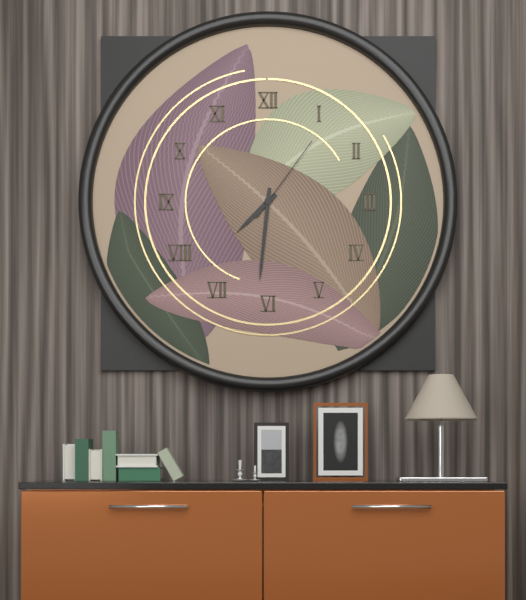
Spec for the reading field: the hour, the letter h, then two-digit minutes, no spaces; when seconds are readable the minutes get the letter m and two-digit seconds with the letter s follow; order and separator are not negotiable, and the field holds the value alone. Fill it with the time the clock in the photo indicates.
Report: 7h31m06s
